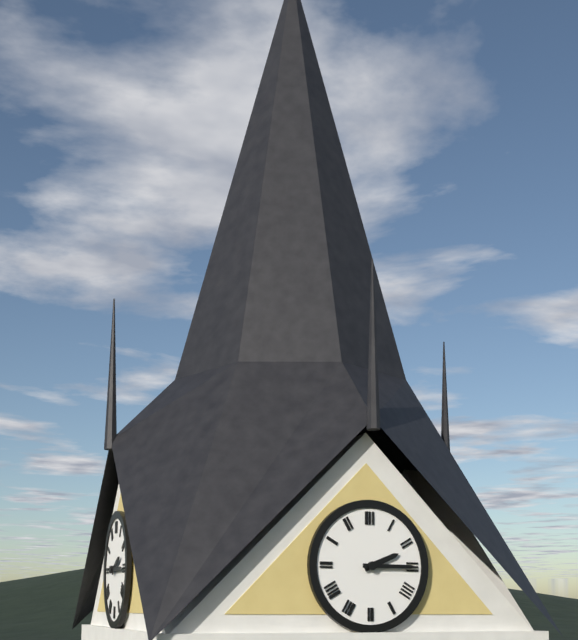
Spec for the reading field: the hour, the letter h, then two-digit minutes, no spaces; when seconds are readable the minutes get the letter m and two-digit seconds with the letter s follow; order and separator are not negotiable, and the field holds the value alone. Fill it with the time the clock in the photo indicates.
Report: 2h15
